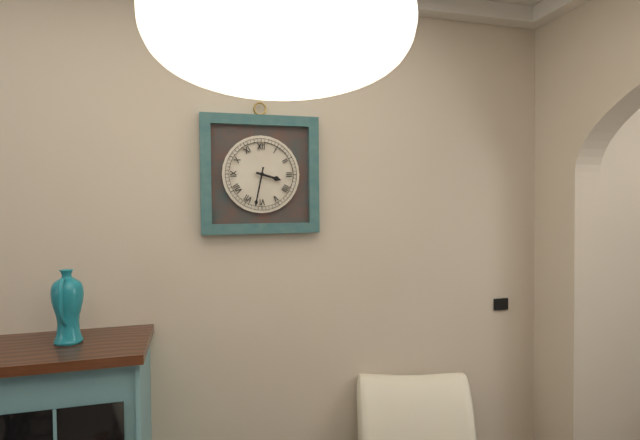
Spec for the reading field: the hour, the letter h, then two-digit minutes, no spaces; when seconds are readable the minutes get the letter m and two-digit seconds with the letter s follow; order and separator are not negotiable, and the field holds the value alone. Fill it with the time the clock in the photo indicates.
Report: 3h32
